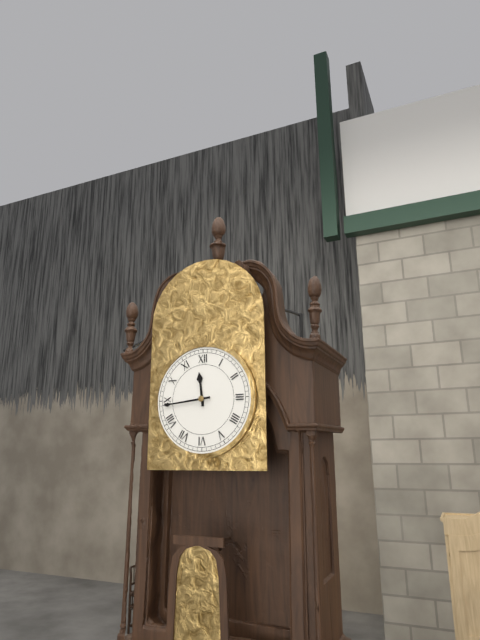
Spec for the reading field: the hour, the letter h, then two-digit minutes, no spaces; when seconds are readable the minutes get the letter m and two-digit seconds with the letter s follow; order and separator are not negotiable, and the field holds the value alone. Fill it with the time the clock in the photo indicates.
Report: 11h44
